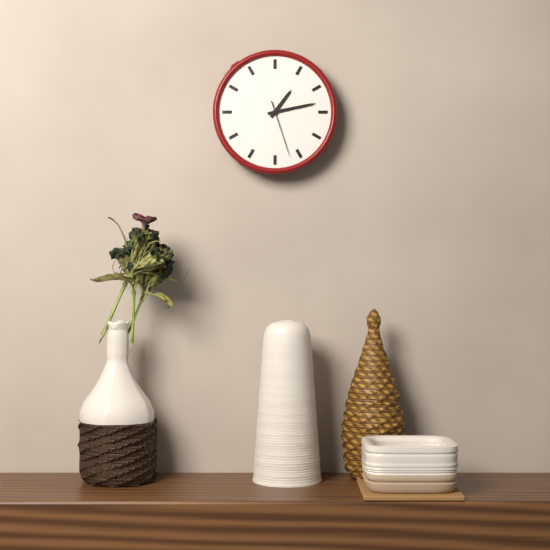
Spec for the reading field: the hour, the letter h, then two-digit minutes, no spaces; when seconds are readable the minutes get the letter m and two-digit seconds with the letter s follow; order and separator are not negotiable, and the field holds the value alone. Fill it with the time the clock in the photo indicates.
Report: 1h13m27s
